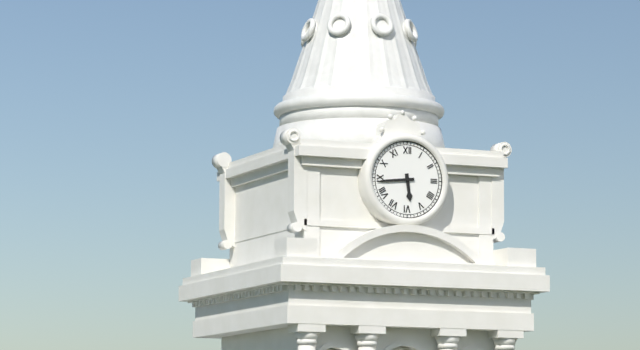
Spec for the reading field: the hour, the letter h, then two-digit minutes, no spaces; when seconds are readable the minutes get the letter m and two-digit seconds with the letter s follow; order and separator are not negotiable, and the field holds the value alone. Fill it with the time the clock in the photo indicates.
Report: 5h44
